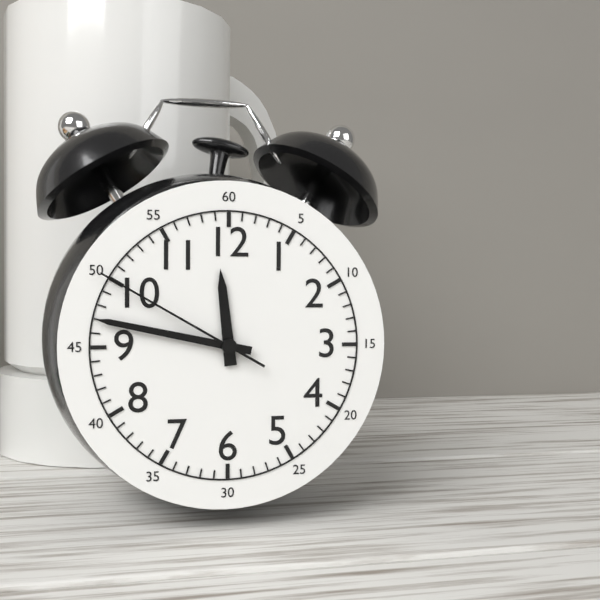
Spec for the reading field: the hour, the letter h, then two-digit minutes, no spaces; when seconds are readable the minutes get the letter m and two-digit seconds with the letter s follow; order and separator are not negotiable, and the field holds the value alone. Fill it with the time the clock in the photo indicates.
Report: 11h47m50s
